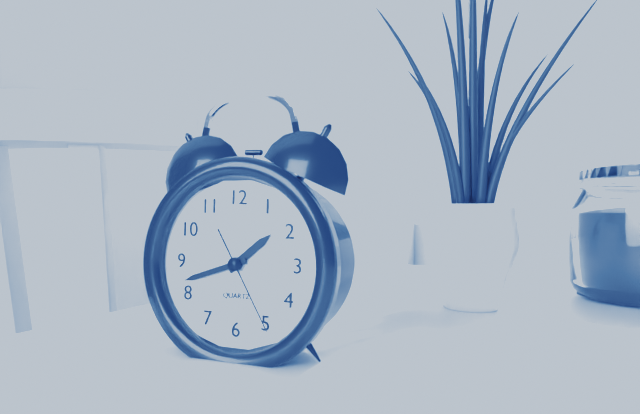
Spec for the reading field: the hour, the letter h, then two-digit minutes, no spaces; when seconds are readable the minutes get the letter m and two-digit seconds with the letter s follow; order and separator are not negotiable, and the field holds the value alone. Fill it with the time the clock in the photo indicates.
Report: 1h42m25s
